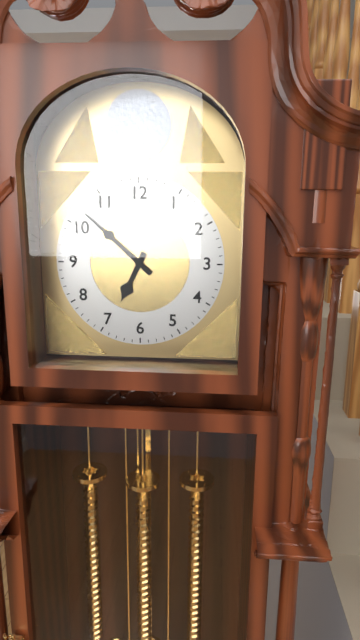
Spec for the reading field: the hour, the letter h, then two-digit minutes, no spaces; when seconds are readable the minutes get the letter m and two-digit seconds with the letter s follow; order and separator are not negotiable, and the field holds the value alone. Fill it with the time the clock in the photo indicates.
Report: 6h52
